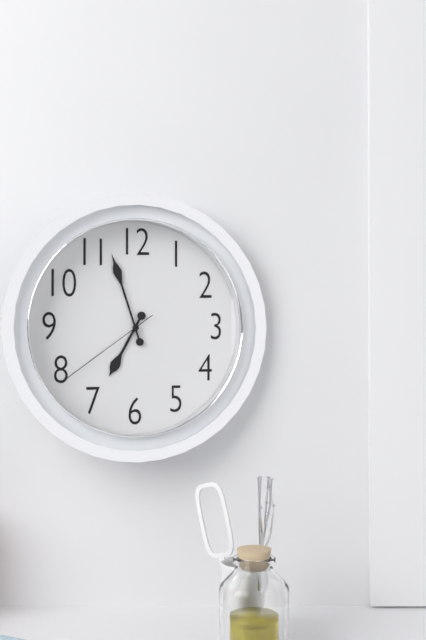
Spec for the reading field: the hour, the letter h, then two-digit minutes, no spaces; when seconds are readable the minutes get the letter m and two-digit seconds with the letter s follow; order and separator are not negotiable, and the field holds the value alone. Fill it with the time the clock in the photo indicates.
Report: 6h57m39s
